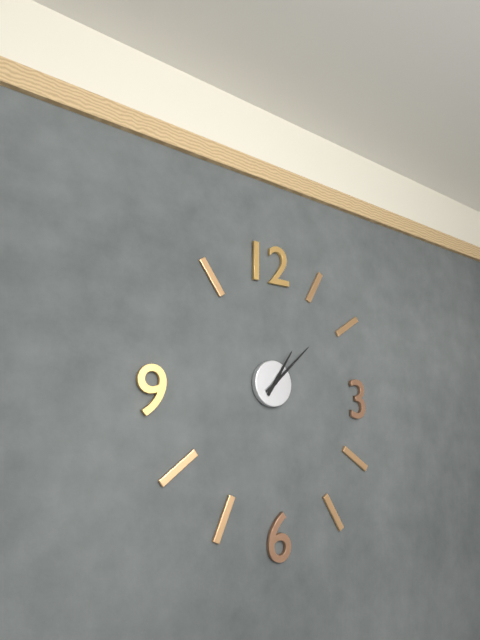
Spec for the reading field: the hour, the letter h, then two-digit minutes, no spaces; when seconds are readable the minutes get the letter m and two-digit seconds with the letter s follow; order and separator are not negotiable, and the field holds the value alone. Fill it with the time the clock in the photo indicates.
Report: 1h08
